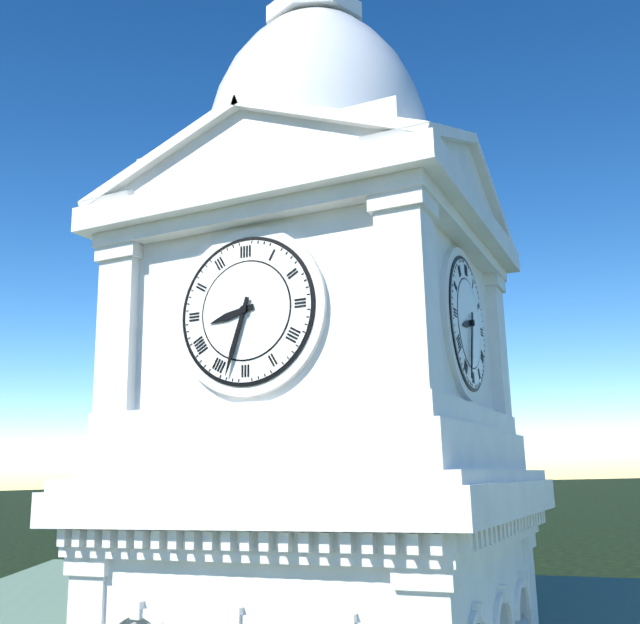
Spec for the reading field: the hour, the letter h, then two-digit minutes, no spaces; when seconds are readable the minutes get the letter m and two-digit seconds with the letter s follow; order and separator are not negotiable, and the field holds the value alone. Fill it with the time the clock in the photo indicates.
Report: 8h33
